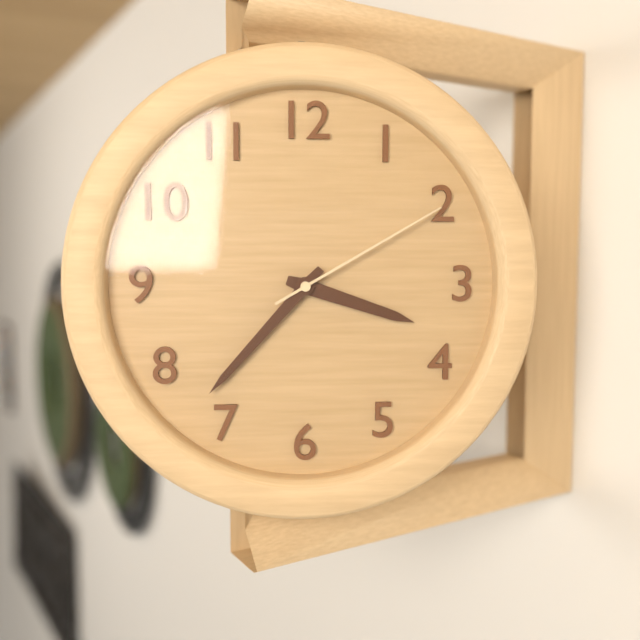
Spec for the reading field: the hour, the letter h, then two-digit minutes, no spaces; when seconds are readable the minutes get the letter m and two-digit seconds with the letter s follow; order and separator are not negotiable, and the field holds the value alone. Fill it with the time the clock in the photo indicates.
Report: 3h37m10s
